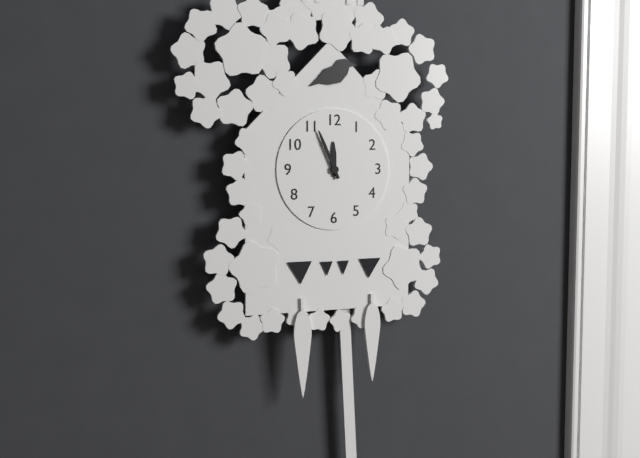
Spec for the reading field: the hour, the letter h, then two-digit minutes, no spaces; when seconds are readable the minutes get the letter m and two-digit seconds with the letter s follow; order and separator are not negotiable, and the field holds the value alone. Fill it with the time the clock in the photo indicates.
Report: 11h56
